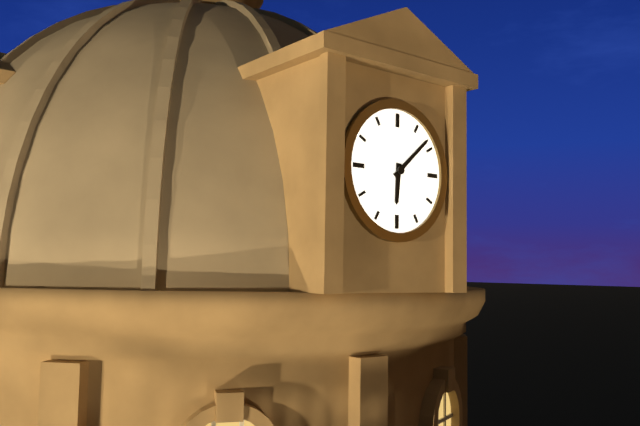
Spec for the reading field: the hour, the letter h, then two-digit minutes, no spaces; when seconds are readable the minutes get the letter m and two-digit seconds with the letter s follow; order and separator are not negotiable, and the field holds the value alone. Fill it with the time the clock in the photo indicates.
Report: 6h08
